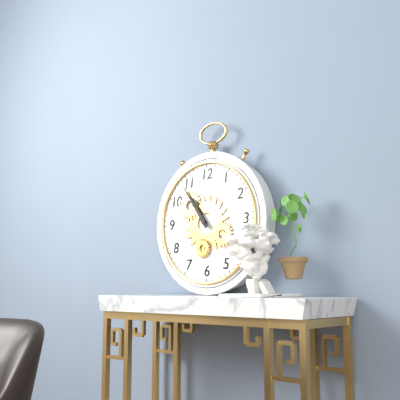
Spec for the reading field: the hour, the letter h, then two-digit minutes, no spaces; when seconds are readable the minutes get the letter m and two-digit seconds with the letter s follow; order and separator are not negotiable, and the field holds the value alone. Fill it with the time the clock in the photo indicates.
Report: 10h54
